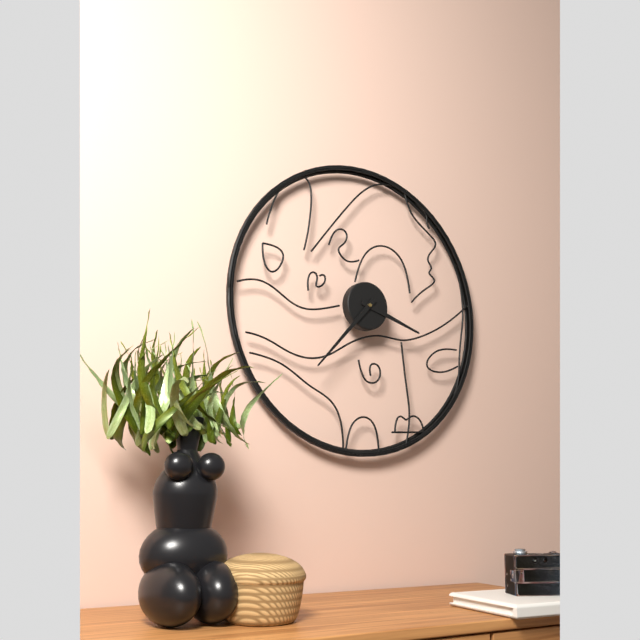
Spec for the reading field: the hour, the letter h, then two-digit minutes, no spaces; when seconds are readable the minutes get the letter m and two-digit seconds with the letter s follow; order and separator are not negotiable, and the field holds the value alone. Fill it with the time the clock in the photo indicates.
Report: 3h37
